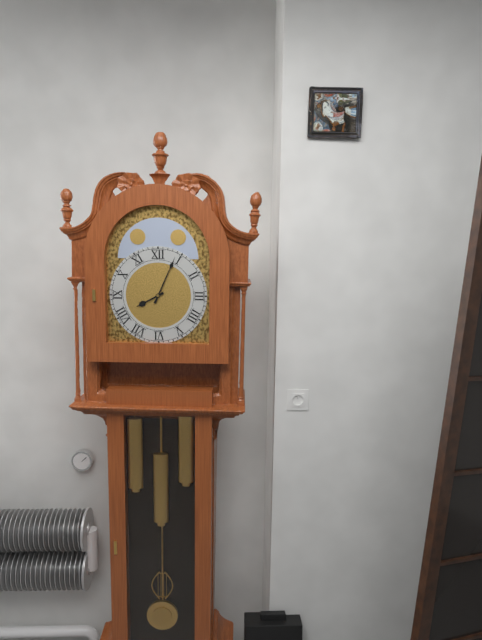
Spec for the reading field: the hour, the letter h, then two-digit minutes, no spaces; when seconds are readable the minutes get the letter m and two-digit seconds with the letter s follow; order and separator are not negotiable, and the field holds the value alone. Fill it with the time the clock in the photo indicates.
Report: 8h04
